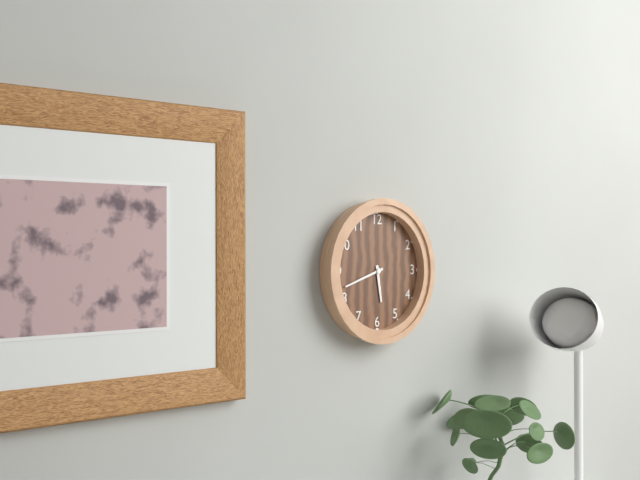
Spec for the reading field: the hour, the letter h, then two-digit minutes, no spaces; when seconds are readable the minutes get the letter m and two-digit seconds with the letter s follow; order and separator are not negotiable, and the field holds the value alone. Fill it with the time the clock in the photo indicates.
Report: 5h42
